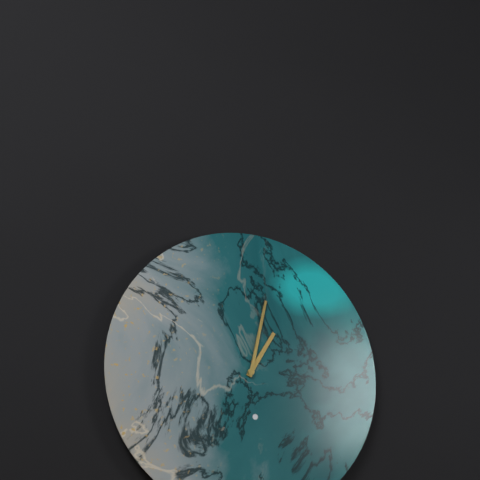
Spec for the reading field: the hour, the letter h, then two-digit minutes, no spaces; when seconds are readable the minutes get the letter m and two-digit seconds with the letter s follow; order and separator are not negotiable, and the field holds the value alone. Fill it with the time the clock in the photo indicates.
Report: 1h02
